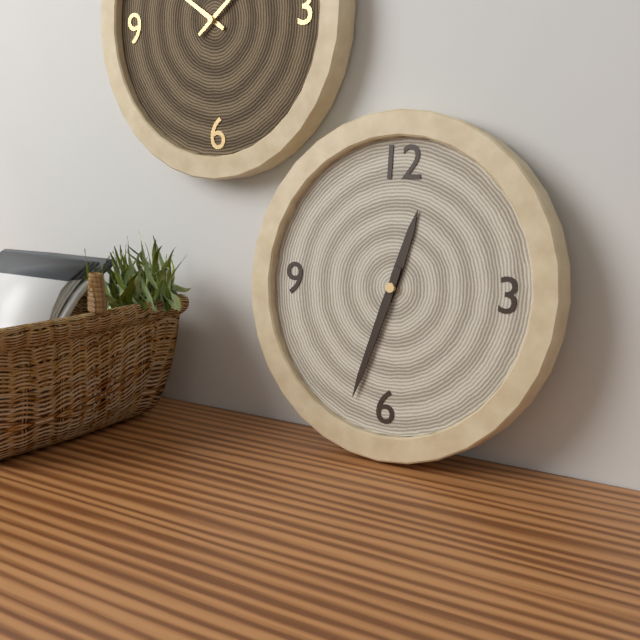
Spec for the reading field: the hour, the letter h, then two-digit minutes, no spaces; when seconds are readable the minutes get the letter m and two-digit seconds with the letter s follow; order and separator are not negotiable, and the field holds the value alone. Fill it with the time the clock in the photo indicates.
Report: 12h33
